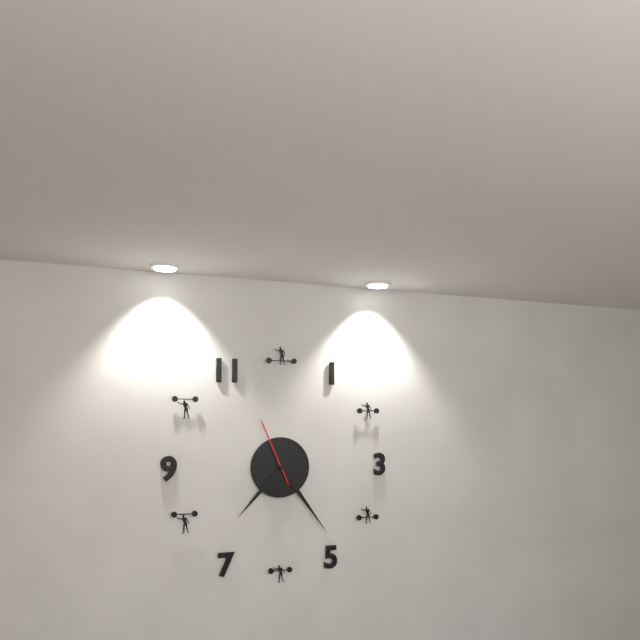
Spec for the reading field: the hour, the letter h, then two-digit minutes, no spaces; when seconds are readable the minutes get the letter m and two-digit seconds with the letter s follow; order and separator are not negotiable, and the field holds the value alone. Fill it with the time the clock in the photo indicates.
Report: 7h24m56s
